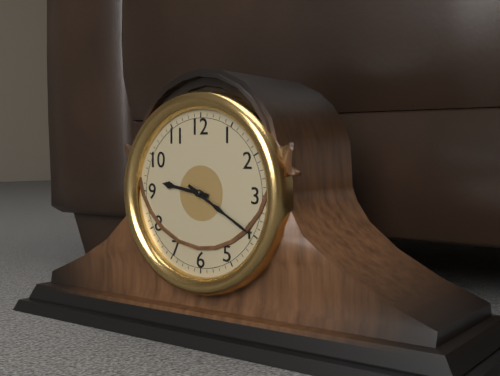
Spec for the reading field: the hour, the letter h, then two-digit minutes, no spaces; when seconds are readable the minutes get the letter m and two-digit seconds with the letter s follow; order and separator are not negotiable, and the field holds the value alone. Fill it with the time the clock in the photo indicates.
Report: 9h20
